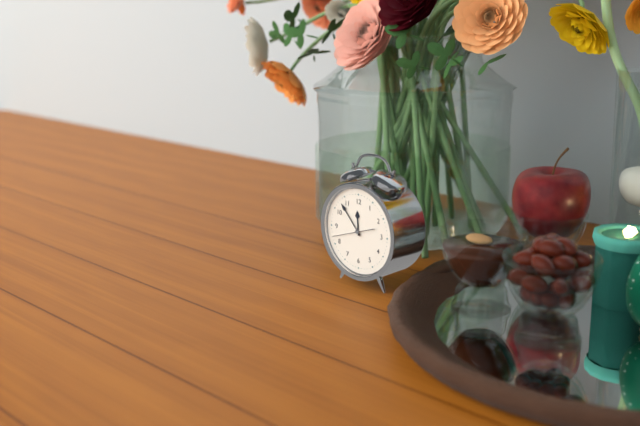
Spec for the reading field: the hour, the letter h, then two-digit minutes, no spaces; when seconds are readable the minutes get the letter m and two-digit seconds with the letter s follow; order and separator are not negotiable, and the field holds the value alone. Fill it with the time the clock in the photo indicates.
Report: 11h53
